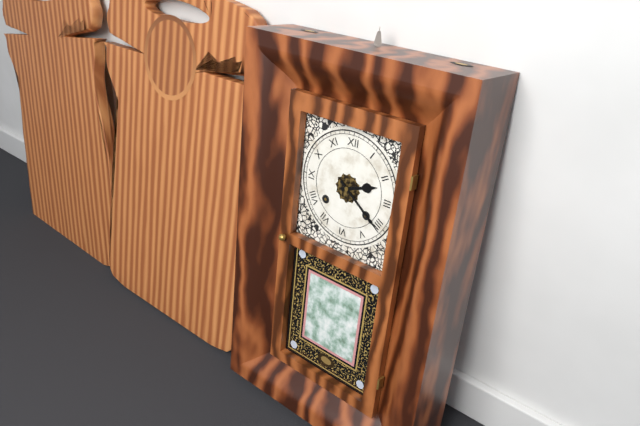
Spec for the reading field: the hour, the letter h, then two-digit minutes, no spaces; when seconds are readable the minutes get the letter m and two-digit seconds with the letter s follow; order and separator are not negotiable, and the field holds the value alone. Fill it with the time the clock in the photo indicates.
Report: 2h21
